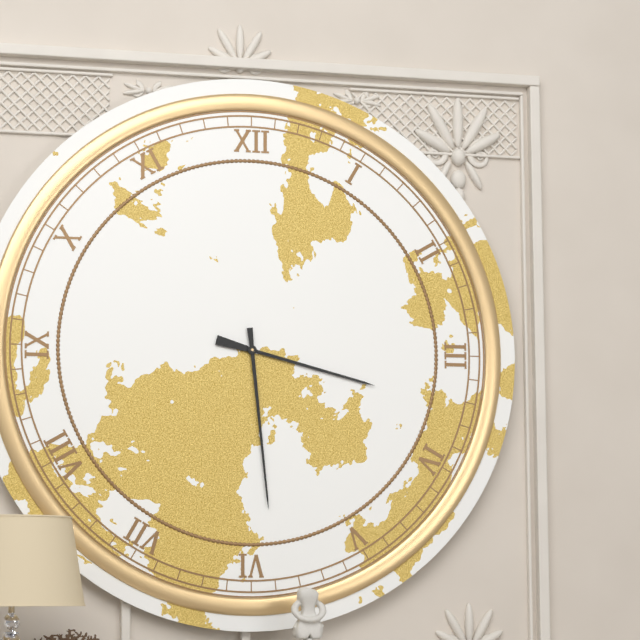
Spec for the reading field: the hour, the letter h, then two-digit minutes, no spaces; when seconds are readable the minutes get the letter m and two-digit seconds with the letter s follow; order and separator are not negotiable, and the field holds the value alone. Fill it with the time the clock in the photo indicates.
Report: 3h29
